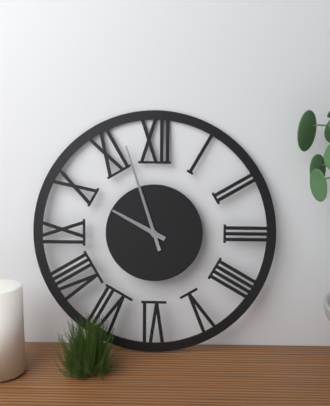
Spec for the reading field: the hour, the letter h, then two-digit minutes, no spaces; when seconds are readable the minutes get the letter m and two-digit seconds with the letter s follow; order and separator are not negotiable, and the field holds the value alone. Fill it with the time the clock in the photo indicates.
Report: 9h57
